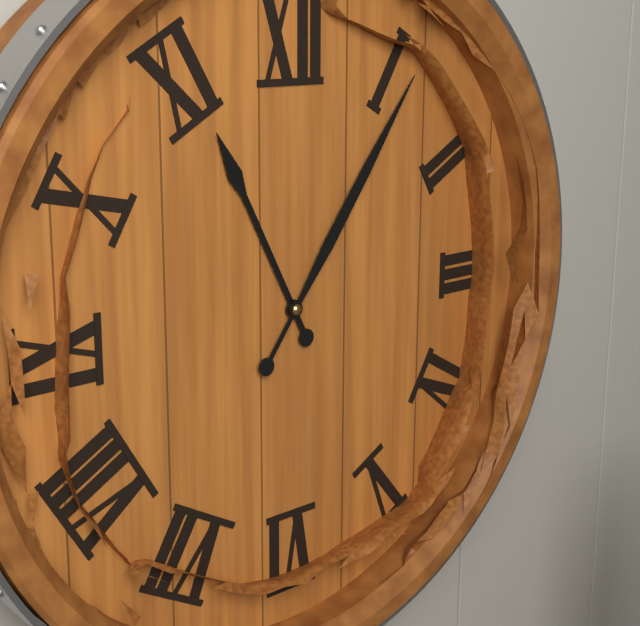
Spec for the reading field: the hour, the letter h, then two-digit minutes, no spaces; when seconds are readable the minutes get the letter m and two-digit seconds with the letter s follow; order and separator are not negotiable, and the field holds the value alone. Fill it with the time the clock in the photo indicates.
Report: 11h06
